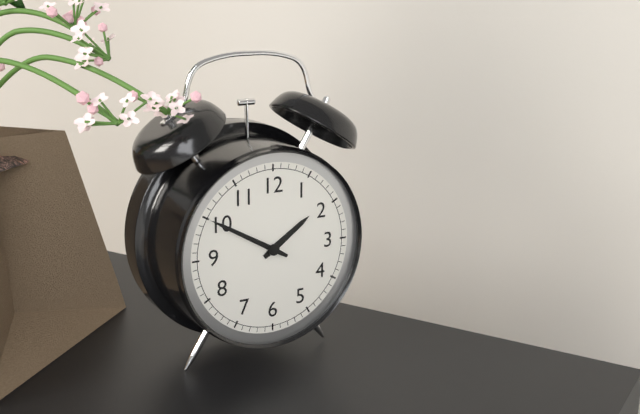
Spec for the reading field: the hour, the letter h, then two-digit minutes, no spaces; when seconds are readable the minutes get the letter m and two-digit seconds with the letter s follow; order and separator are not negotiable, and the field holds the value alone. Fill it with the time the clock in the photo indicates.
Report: 1h50
